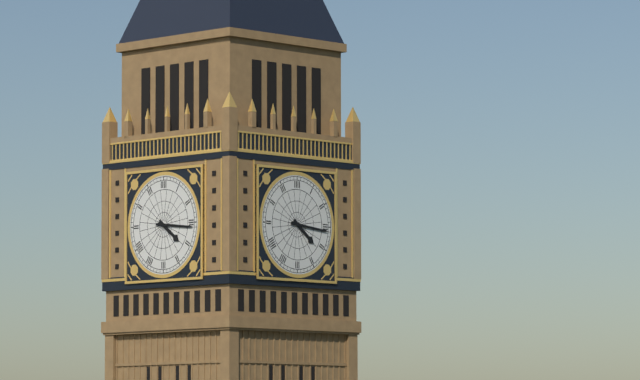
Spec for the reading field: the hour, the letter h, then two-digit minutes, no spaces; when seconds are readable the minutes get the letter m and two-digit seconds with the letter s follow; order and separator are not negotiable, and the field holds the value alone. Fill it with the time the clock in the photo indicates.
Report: 4h16
